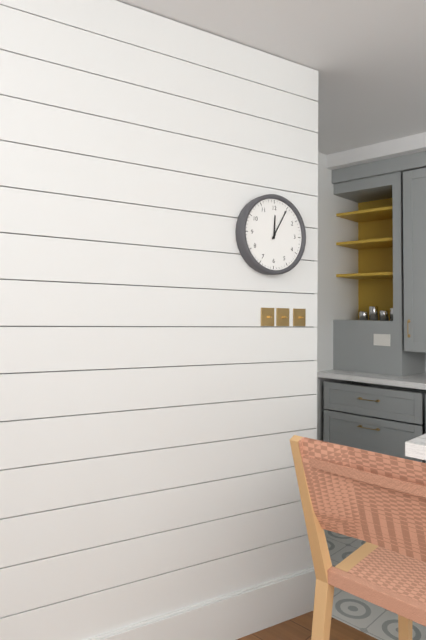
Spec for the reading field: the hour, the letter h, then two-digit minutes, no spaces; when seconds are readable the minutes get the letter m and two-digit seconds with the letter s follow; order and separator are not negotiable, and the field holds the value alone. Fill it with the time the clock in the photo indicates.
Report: 12h05
